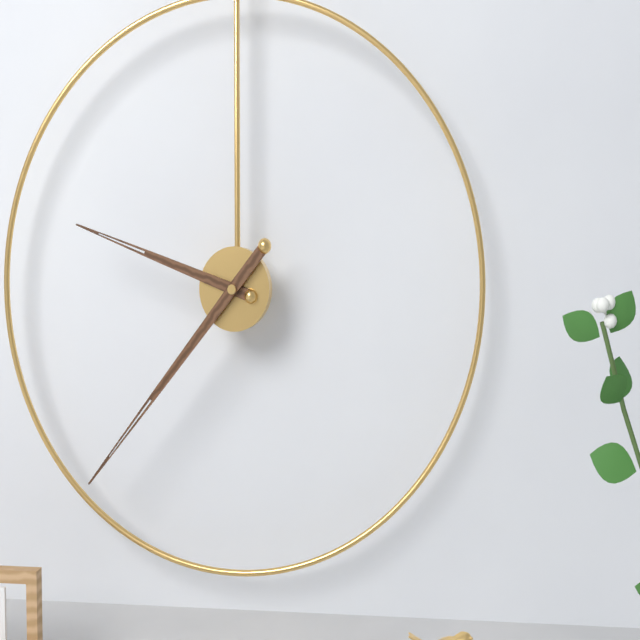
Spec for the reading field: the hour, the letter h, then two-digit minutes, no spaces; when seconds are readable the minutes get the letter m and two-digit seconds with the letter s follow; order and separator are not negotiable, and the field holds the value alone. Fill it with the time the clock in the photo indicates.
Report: 9h37
